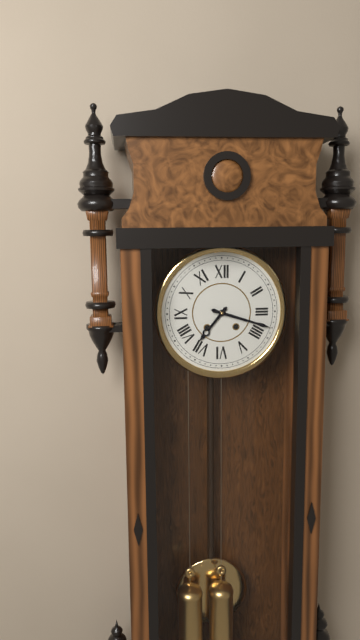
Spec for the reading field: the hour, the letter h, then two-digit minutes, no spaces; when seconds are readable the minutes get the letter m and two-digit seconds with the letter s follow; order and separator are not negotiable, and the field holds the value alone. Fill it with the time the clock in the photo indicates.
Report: 7h18
